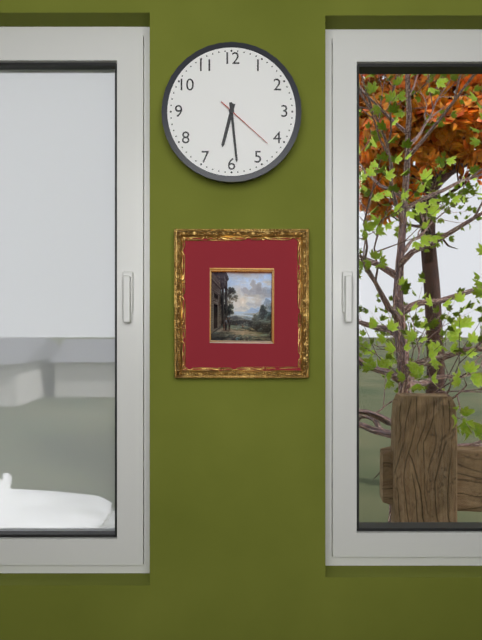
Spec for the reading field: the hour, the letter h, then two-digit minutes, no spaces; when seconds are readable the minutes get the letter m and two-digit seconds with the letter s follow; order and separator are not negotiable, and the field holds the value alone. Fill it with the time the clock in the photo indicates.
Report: 6h29m22s
